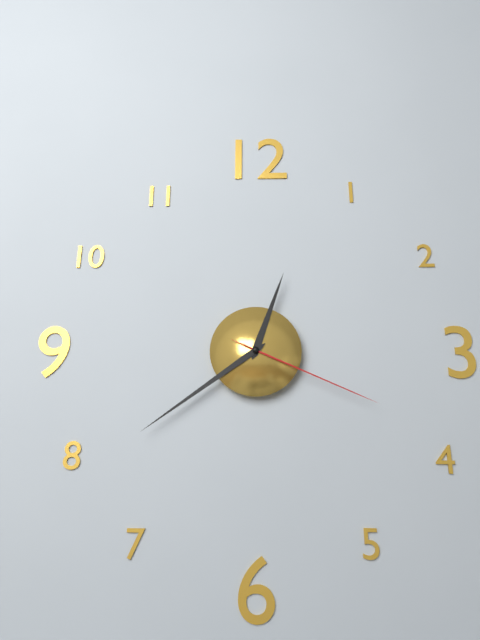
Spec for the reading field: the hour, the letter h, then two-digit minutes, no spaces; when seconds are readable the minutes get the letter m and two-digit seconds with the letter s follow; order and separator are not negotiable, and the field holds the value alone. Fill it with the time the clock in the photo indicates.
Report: 12h39m19s
